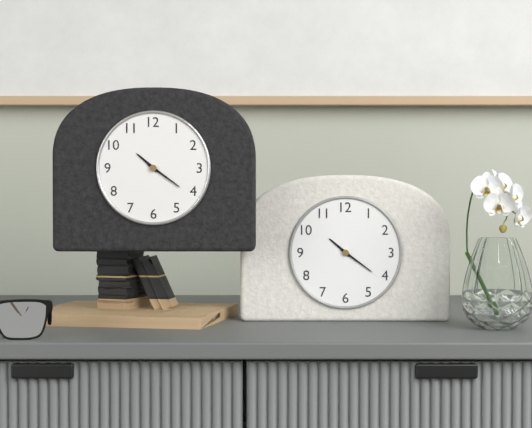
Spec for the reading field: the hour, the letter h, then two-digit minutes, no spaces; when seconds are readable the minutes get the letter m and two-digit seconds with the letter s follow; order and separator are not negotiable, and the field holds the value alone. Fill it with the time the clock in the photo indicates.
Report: 10h21
